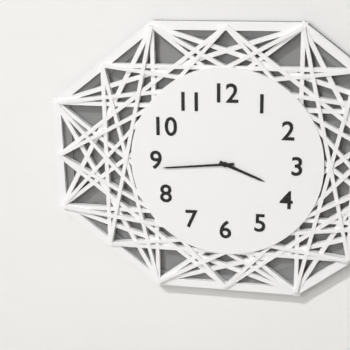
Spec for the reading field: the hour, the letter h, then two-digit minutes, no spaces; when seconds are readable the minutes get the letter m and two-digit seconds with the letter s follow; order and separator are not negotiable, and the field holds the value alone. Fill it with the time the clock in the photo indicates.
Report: 3h44
